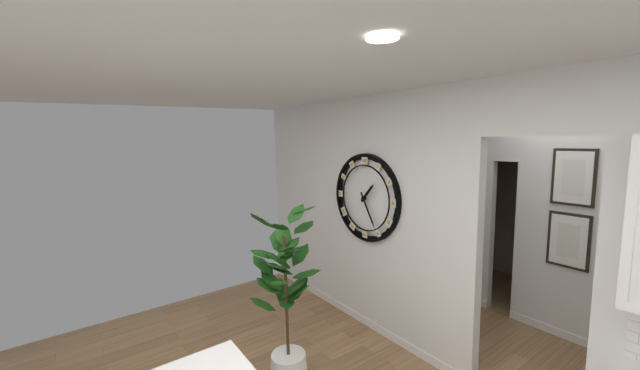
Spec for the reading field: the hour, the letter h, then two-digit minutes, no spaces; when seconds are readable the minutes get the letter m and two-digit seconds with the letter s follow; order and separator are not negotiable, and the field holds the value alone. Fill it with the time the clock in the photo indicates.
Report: 1h25
